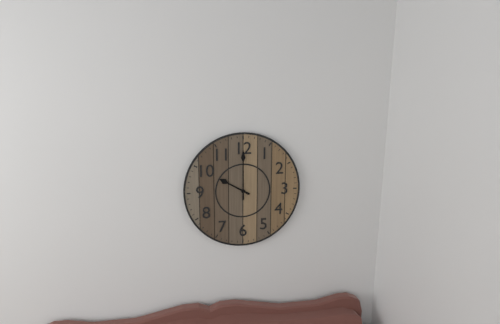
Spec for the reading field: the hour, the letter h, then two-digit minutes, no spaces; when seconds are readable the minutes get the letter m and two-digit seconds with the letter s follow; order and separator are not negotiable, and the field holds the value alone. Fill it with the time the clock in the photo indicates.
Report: 10h00
